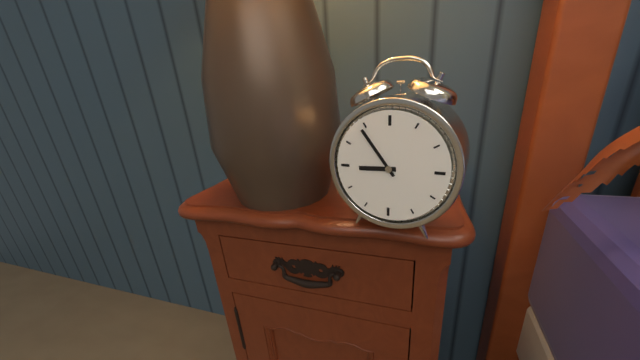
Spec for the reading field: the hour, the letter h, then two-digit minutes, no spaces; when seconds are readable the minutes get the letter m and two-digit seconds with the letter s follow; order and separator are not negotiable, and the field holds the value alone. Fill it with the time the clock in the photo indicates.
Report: 8h54
